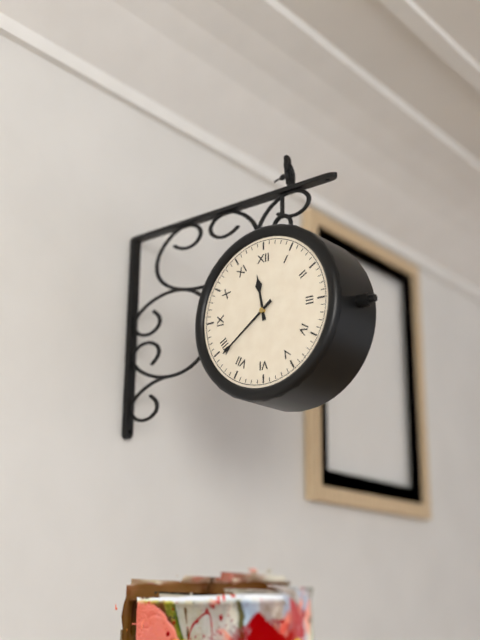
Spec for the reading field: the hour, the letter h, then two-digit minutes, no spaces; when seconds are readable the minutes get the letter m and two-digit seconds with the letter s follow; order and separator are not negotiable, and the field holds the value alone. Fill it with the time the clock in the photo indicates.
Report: 11h39
